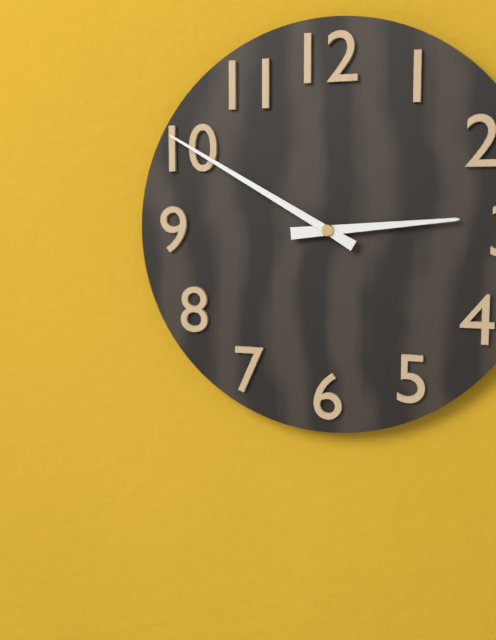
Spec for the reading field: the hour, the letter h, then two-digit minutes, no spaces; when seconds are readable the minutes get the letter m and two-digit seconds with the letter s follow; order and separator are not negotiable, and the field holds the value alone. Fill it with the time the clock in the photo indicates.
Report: 2h50
